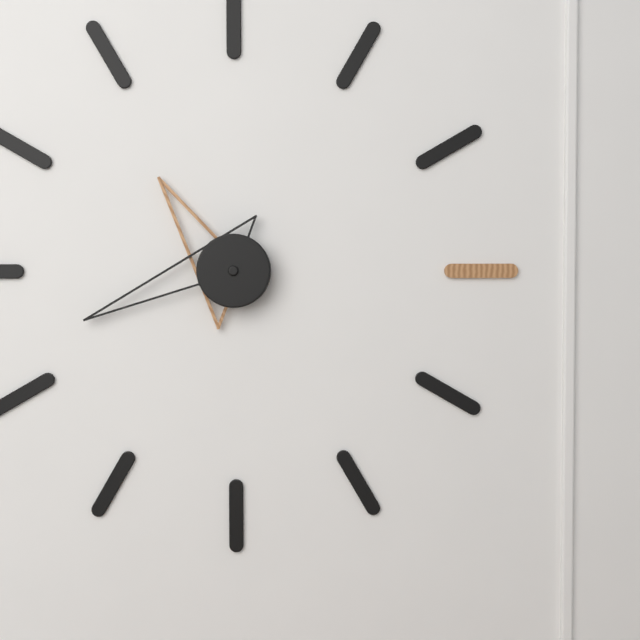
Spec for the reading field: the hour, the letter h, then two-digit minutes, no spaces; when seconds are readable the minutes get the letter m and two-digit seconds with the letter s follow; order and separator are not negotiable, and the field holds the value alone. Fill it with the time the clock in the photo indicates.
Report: 10h42
